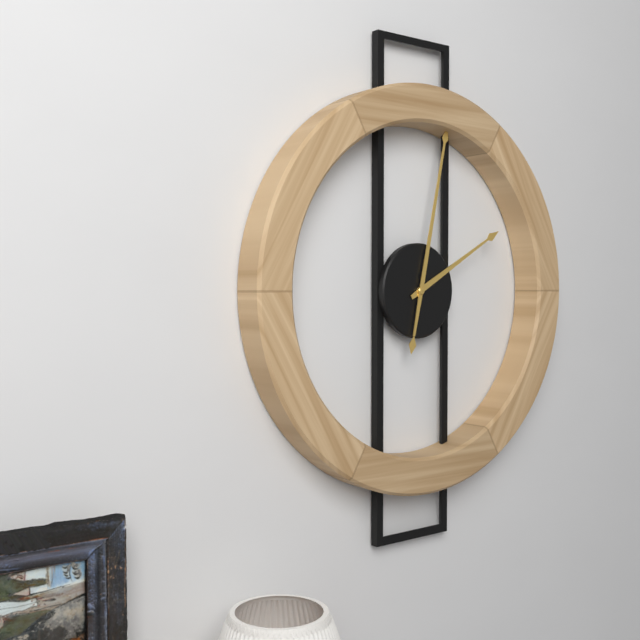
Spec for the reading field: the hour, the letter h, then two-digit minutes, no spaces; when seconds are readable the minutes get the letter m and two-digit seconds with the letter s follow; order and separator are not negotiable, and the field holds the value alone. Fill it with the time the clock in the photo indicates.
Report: 2h02
